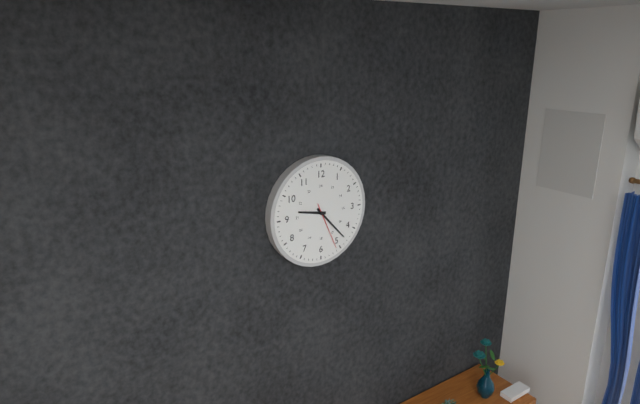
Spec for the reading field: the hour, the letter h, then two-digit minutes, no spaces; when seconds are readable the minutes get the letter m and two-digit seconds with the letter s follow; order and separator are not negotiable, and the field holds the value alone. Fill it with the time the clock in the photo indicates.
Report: 9h23
